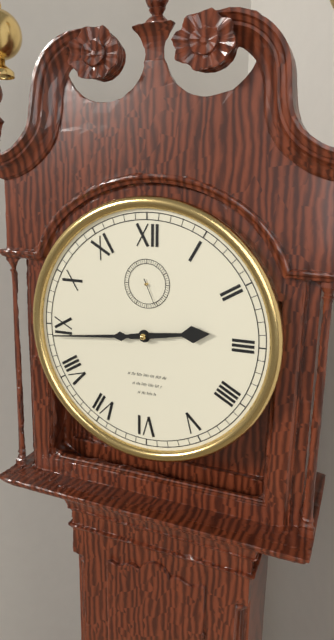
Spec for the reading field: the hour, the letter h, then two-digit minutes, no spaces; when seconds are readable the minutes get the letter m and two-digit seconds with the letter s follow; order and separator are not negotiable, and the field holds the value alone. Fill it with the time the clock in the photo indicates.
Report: 2h44
